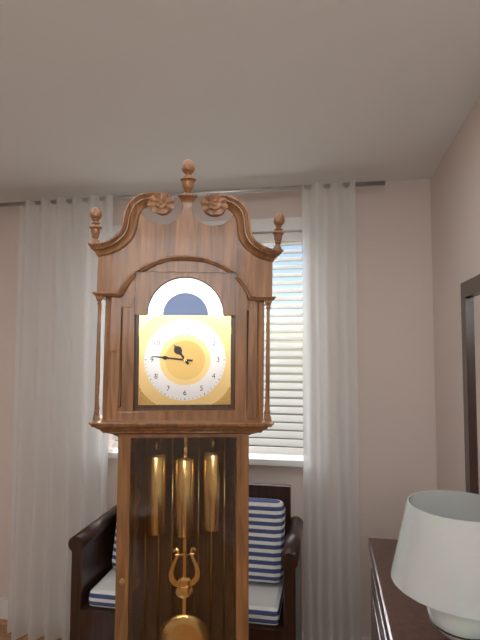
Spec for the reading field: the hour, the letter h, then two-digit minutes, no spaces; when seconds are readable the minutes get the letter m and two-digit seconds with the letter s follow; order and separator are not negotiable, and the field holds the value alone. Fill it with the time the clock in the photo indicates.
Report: 10h46
